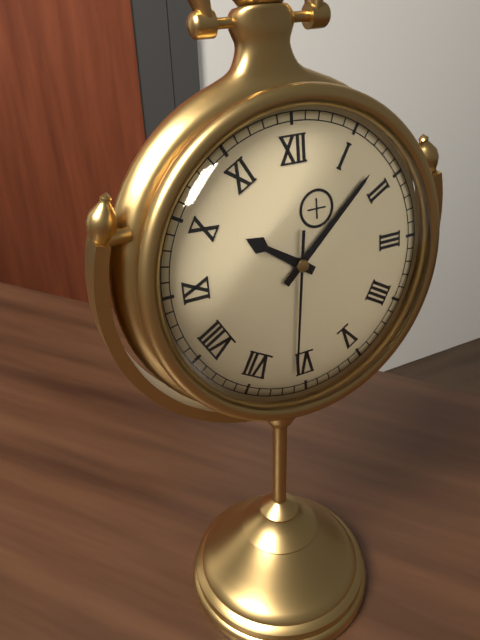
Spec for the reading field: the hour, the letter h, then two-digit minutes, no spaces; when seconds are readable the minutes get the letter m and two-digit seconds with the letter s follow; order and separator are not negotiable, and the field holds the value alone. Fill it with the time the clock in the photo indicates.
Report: 10h08m31s
